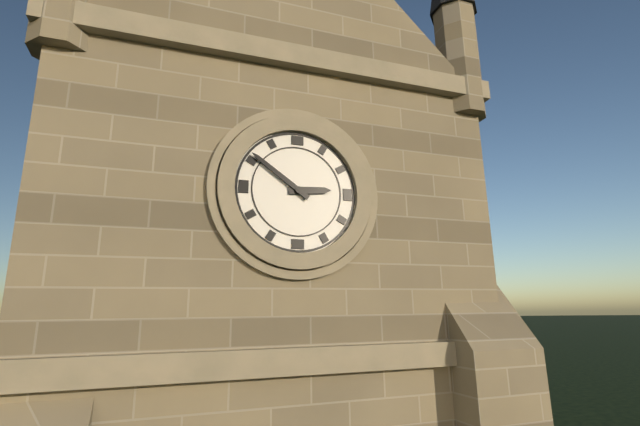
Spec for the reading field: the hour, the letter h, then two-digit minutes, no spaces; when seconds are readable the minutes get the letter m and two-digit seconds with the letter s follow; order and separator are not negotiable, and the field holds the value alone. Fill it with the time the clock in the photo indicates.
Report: 2h51
